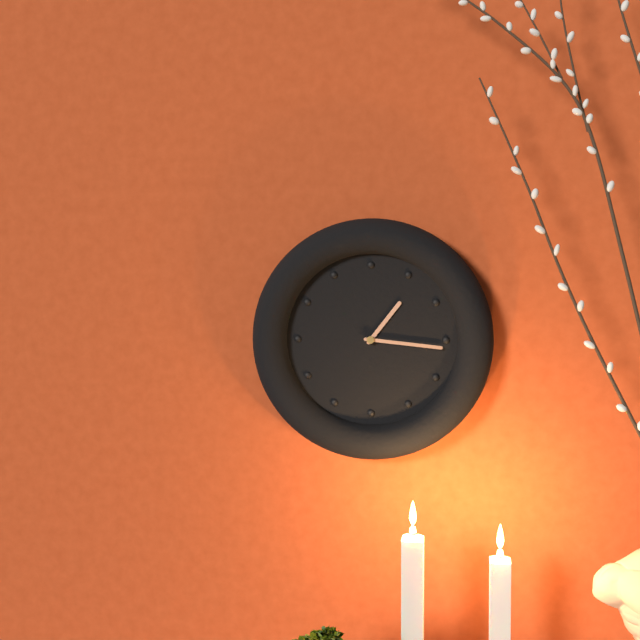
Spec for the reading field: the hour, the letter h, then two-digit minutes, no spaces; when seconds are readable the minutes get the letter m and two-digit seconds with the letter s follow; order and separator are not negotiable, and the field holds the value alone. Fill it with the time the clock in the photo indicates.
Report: 1h16
